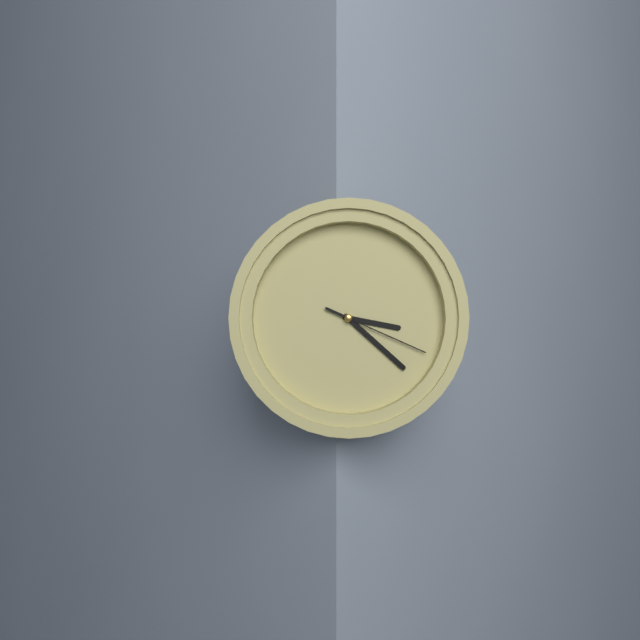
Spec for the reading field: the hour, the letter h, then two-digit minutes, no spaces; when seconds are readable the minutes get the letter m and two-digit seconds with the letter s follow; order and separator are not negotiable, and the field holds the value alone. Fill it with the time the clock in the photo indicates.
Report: 3h22m19s
